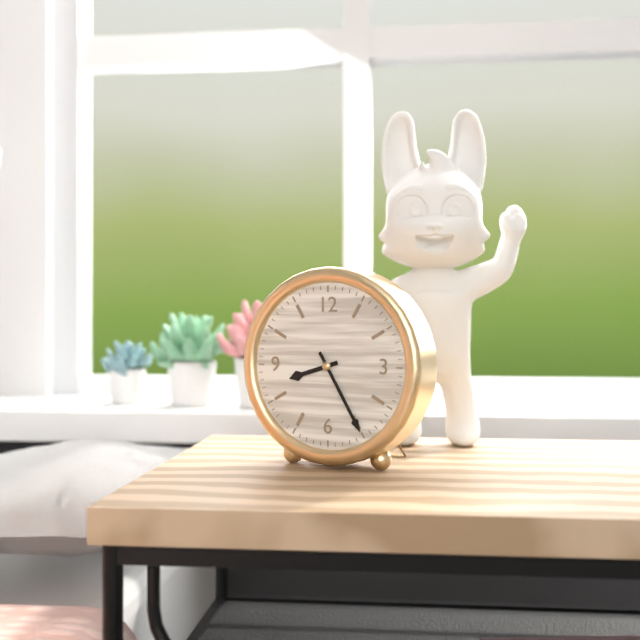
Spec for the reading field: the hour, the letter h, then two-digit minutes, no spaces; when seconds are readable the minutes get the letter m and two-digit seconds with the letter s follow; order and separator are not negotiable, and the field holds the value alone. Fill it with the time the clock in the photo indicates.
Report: 8h25
